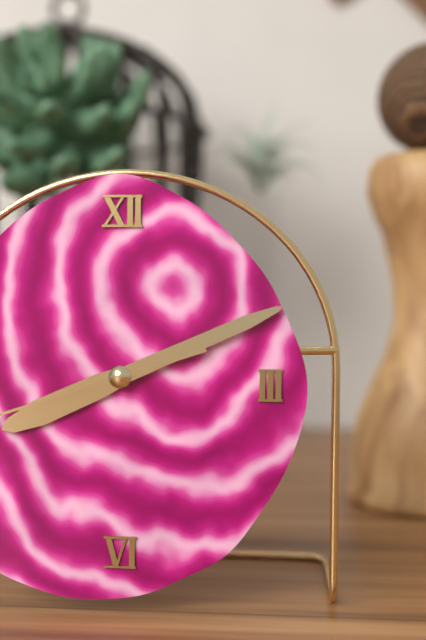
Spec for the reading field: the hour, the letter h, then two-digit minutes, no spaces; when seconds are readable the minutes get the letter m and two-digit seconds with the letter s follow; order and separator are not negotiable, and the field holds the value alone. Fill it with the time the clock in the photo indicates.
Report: 8h11
